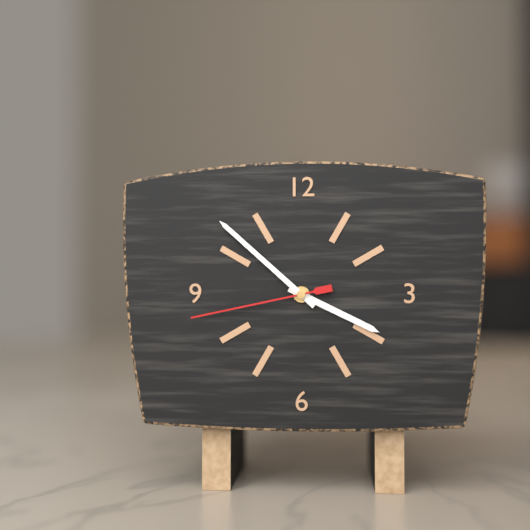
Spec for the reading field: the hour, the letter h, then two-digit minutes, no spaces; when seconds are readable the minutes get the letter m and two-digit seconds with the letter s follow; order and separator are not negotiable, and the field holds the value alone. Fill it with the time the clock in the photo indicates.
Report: 3h52m43s
